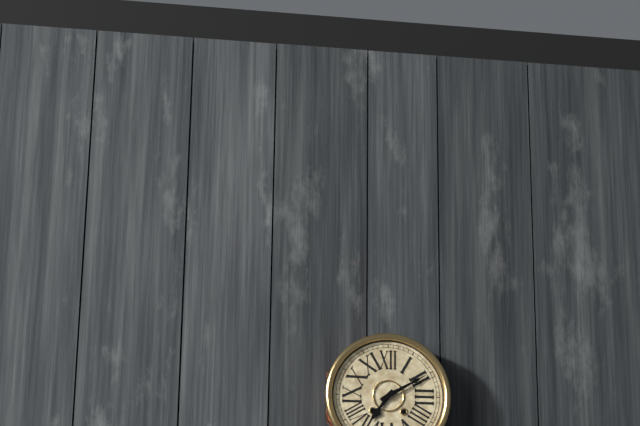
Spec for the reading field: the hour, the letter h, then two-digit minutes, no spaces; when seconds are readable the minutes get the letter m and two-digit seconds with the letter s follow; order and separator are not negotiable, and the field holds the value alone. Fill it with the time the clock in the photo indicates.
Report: 7h10
